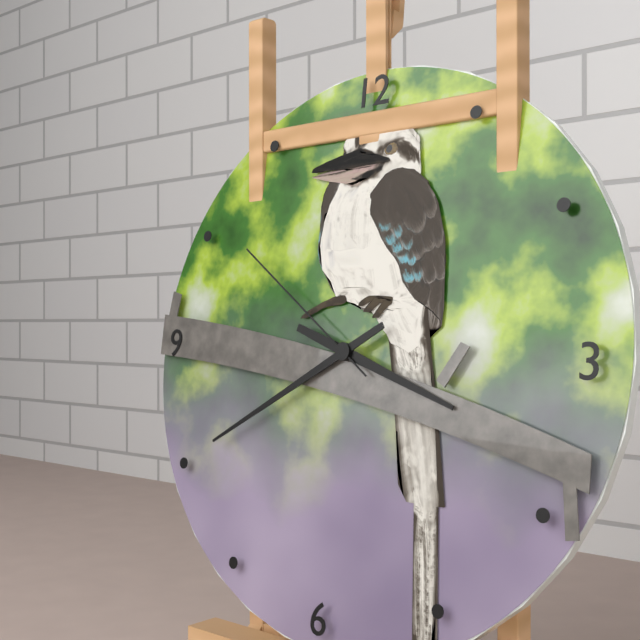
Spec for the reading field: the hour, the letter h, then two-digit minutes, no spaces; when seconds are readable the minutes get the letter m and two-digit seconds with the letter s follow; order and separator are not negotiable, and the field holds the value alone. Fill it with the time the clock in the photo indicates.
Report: 3h40m51s
